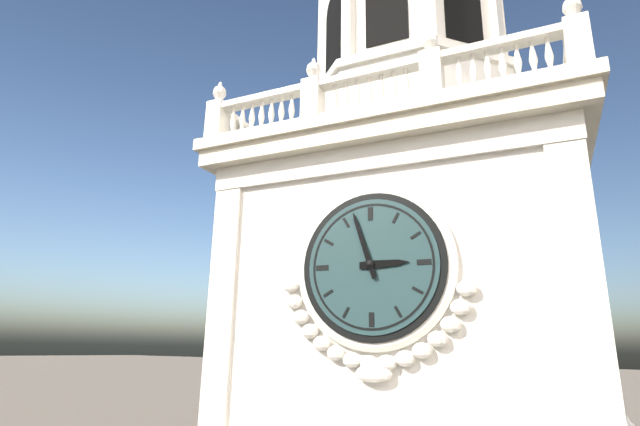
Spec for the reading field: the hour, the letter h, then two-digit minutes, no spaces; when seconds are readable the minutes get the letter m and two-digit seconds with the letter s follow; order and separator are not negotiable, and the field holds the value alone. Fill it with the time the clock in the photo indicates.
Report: 2h57
